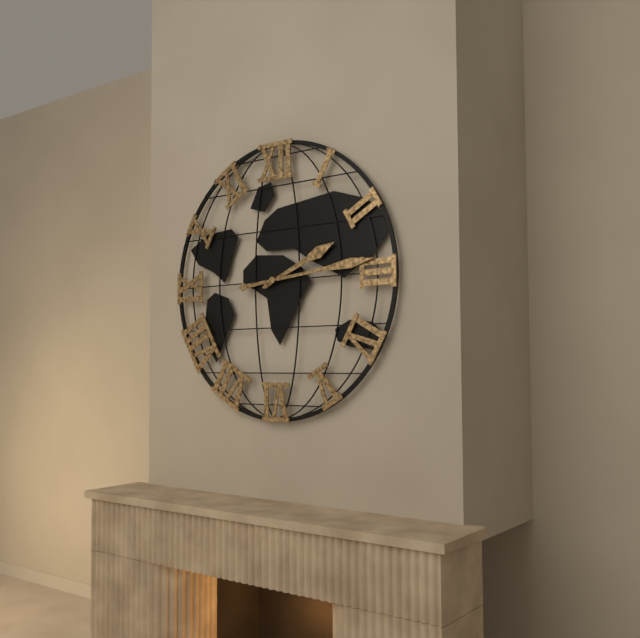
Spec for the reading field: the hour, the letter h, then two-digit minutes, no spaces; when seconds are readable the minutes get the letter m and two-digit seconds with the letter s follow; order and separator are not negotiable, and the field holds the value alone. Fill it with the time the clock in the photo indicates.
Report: 2h14
